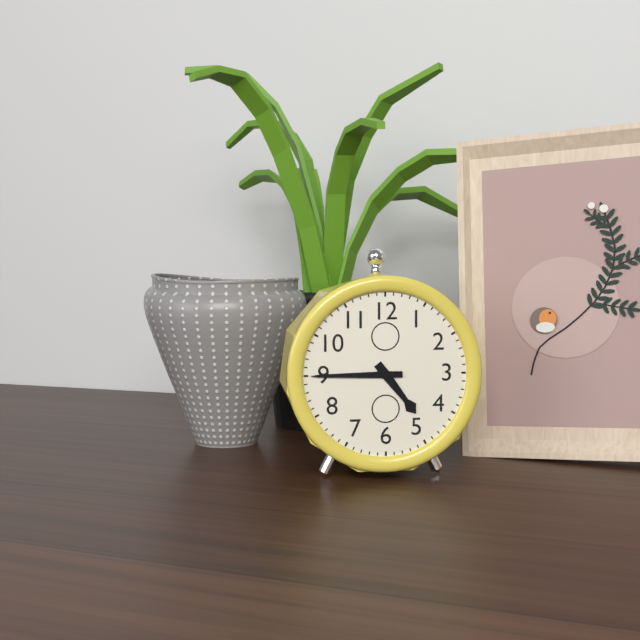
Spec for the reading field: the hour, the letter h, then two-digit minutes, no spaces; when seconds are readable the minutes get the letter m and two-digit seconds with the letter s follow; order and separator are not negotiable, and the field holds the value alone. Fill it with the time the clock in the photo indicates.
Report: 4h45
